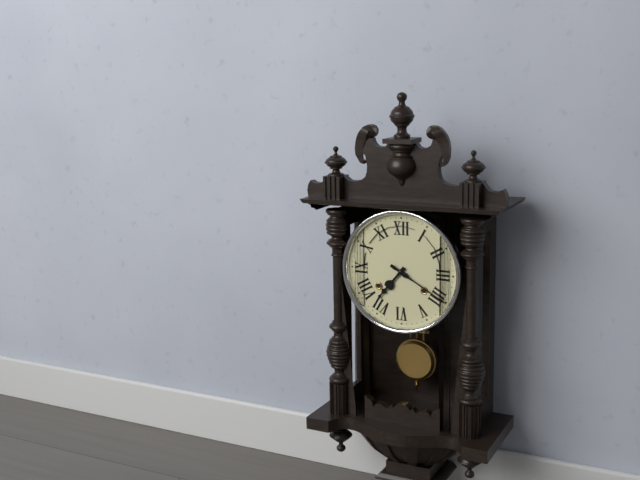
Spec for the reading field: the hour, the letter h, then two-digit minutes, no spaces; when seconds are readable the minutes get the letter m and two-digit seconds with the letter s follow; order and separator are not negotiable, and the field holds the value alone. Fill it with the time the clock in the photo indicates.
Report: 7h20
